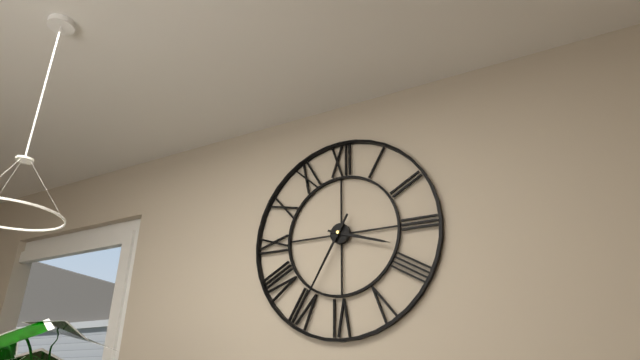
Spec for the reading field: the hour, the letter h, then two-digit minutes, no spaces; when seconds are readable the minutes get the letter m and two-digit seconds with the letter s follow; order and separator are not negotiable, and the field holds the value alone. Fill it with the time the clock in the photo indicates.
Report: 3h35
